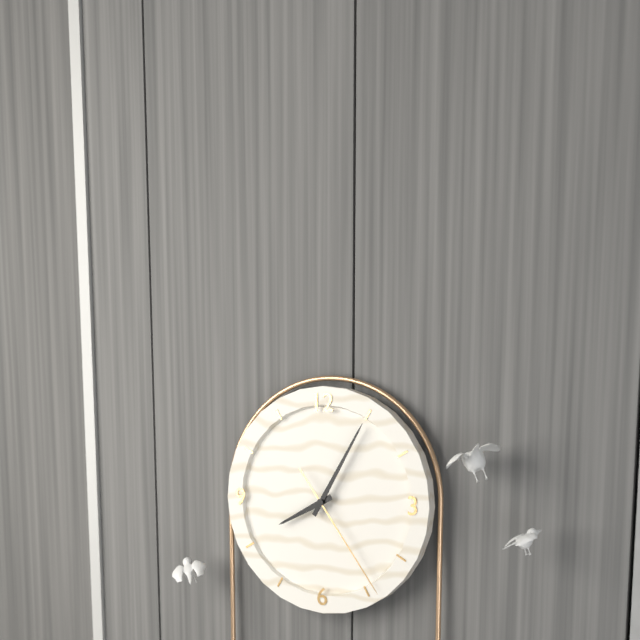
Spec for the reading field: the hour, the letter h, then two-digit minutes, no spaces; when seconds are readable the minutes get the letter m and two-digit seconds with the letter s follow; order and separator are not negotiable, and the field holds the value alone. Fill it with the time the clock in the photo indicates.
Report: 8h05m24s
